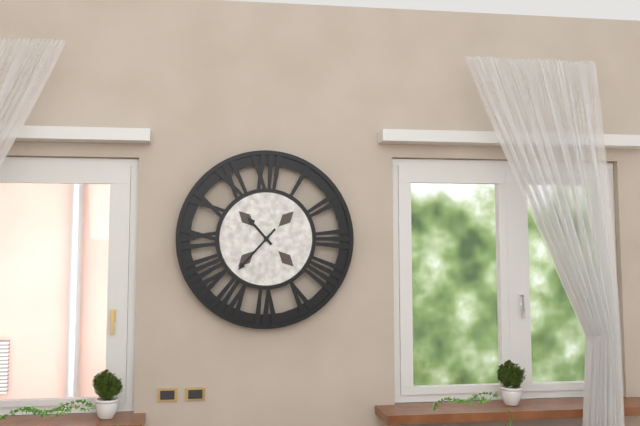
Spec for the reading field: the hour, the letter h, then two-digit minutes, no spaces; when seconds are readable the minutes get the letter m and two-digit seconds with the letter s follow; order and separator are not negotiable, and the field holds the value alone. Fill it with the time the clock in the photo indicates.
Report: 10h37
